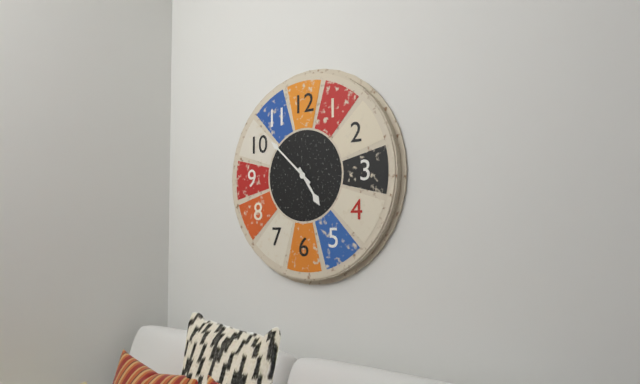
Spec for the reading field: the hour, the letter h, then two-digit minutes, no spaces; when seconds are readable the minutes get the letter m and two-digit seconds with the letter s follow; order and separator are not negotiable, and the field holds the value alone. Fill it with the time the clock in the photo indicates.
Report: 4h52
